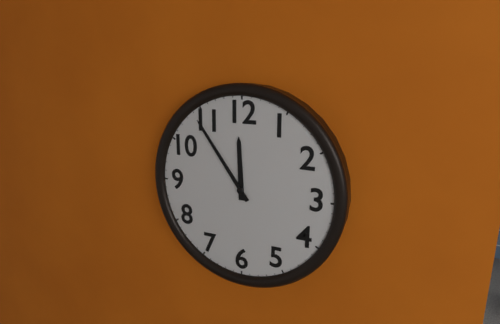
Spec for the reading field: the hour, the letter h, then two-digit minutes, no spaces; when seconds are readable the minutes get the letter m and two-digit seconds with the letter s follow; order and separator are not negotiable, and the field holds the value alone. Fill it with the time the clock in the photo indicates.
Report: 11h54
